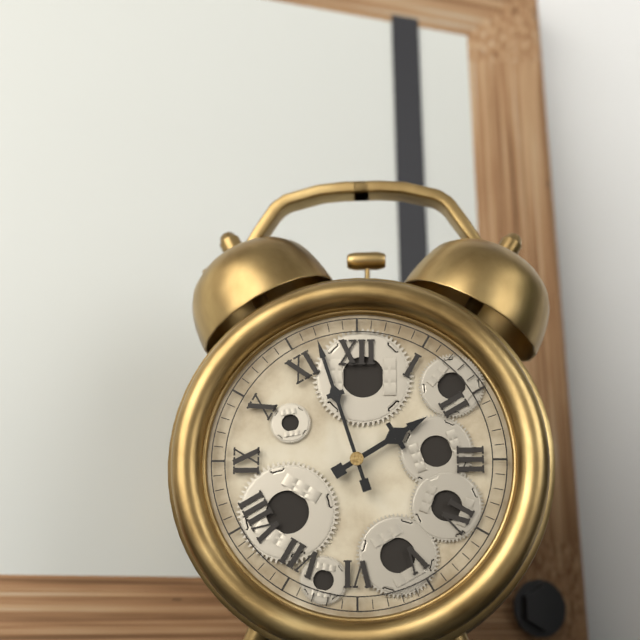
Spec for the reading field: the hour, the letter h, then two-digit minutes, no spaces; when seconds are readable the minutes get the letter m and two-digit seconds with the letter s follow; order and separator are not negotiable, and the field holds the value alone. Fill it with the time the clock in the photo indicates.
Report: 1h57
